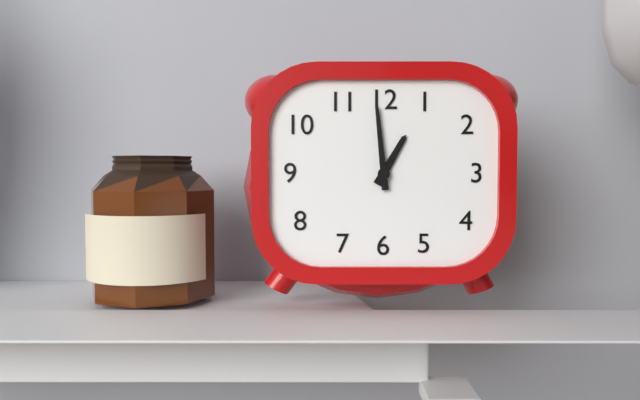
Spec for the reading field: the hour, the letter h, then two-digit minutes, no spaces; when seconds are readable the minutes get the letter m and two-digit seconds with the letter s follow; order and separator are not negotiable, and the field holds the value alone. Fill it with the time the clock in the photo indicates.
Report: 12h59
